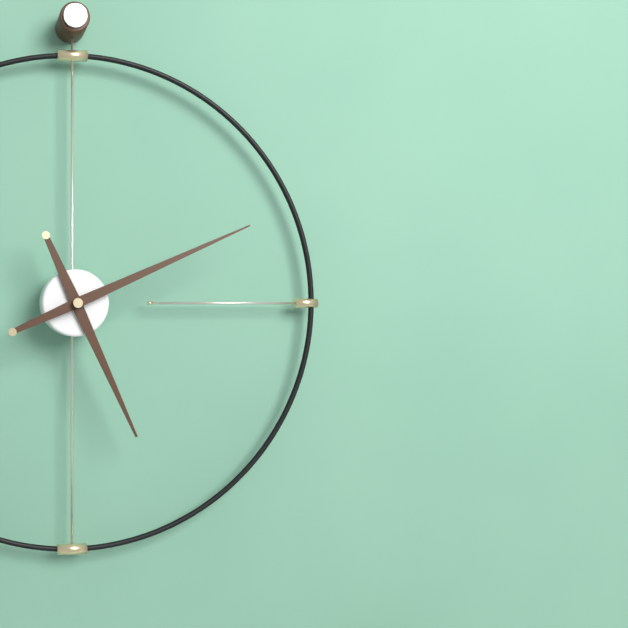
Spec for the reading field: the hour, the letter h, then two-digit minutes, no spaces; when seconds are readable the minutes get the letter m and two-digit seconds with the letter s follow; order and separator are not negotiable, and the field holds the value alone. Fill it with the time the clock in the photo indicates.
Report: 5h11
